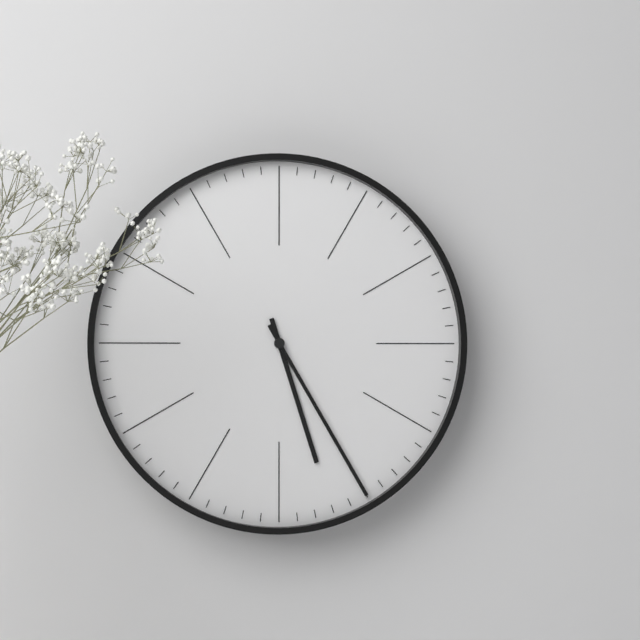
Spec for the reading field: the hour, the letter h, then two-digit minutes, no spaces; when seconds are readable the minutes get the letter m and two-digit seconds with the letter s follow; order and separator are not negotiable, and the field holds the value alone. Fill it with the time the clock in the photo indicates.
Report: 5h25
